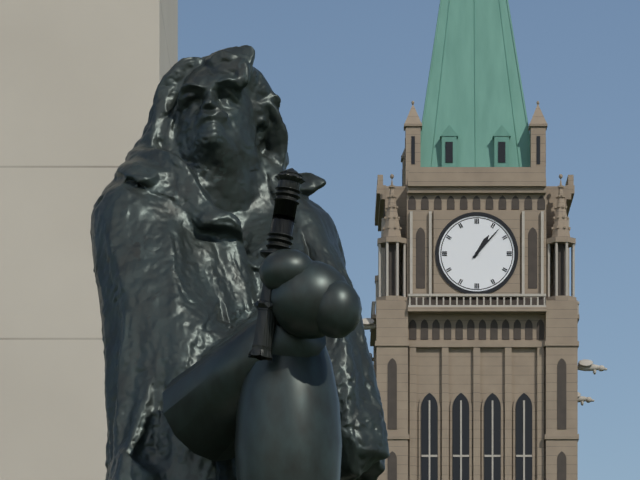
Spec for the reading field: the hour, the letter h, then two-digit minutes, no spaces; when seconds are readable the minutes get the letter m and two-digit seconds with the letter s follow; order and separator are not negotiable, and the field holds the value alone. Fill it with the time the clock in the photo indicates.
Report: 1h07
